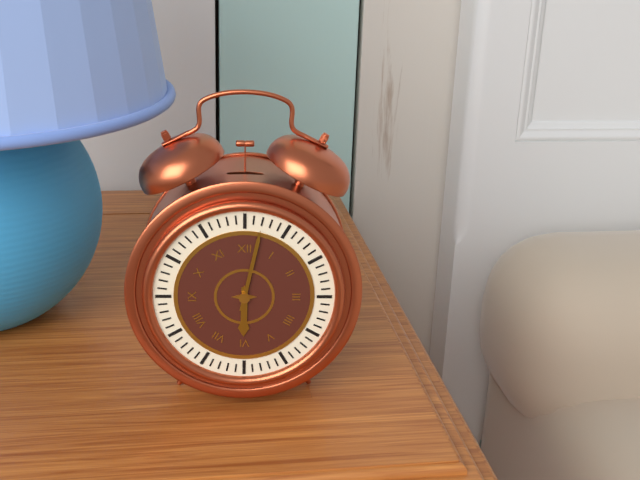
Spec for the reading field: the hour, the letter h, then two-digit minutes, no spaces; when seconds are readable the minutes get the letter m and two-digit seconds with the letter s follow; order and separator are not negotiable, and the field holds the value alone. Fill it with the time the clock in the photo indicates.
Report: 6h02
